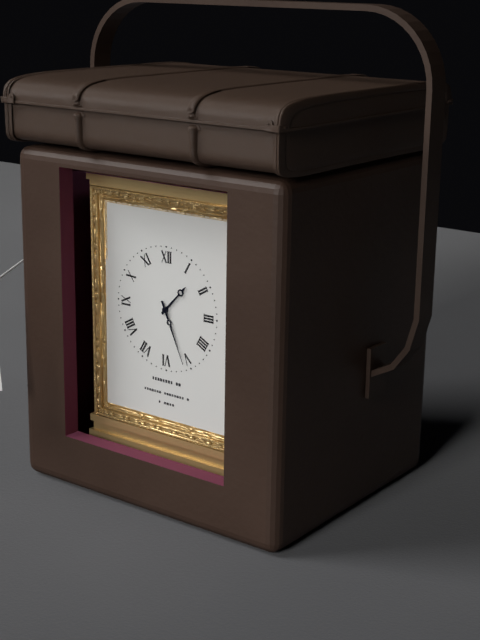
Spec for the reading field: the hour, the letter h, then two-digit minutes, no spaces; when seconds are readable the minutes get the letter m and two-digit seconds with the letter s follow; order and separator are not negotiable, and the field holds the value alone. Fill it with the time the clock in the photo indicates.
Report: 1h26
